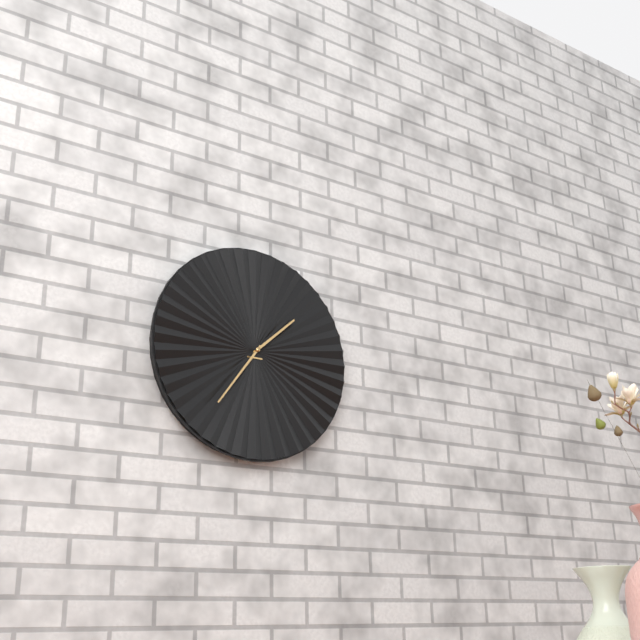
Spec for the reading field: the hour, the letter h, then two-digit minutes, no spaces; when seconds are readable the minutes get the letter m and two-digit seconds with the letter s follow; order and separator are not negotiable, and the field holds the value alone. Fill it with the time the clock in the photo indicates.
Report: 1h36
